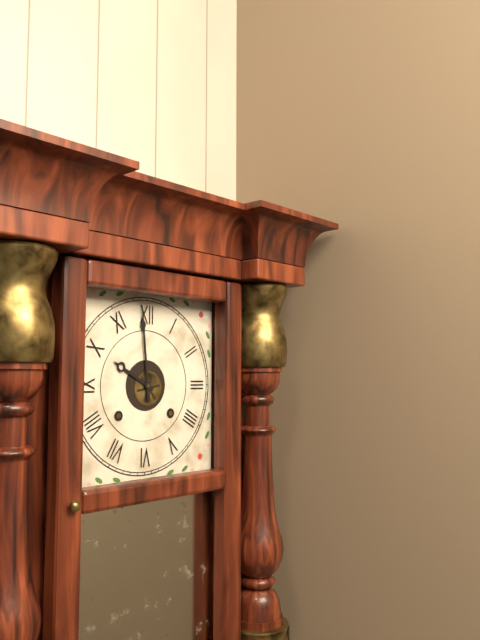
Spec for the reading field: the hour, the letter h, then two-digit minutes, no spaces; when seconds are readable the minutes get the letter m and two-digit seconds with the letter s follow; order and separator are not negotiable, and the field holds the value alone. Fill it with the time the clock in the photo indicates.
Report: 9h59
